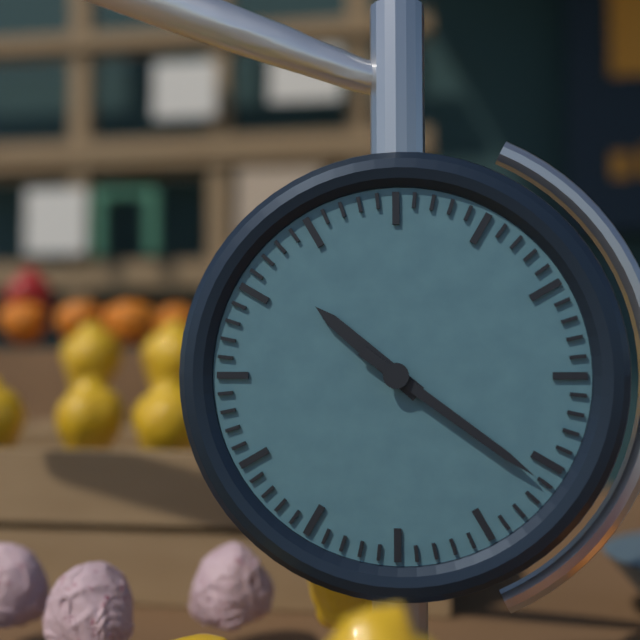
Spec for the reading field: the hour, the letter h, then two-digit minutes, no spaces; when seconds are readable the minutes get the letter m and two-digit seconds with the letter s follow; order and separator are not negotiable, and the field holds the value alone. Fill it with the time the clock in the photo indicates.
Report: 10h21
